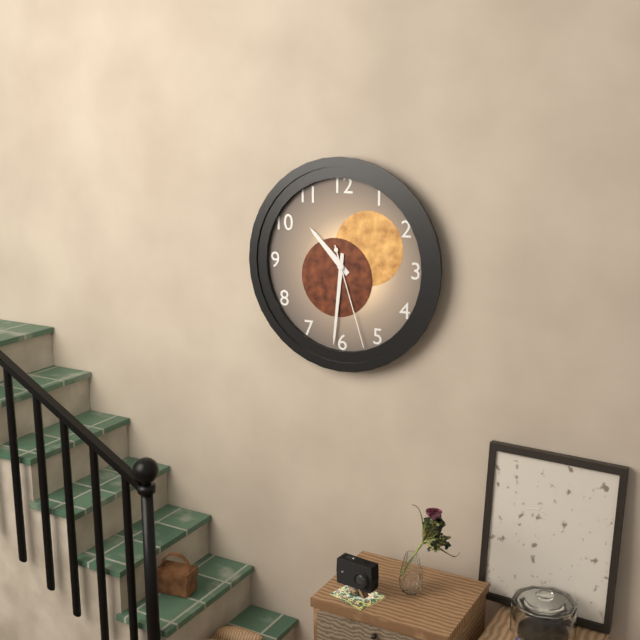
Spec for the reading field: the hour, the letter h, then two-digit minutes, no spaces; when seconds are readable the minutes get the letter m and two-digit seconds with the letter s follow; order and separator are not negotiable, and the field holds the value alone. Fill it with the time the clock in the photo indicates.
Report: 10h31m27s
